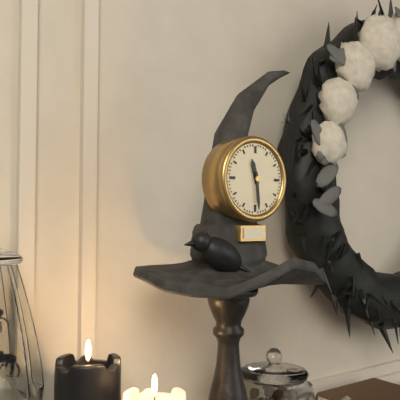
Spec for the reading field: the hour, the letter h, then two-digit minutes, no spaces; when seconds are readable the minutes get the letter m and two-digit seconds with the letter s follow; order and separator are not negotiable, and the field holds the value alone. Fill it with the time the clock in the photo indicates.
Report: 11h29
